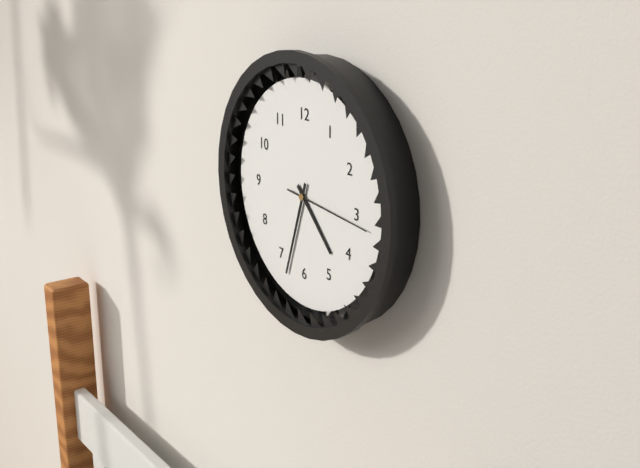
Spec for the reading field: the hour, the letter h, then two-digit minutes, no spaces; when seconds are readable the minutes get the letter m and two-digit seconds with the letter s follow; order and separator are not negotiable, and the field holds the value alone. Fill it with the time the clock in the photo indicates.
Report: 4h33m16s
